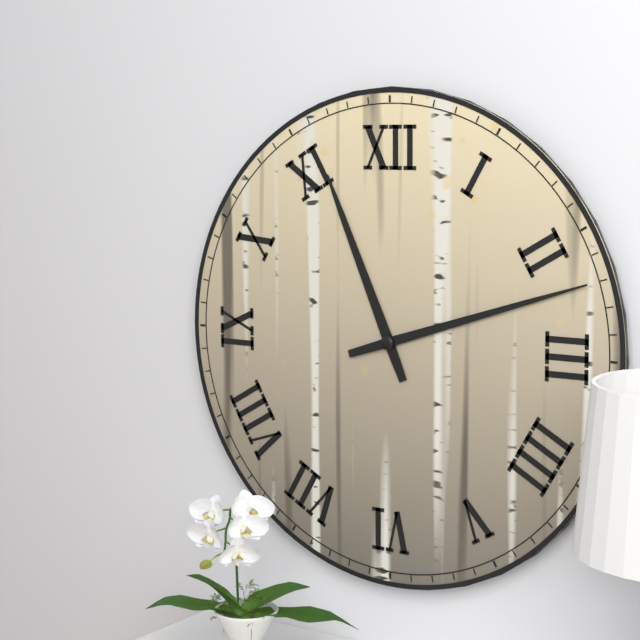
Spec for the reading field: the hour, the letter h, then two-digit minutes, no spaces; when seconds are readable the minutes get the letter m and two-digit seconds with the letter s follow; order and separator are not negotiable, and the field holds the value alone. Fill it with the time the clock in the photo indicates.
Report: 11h12
